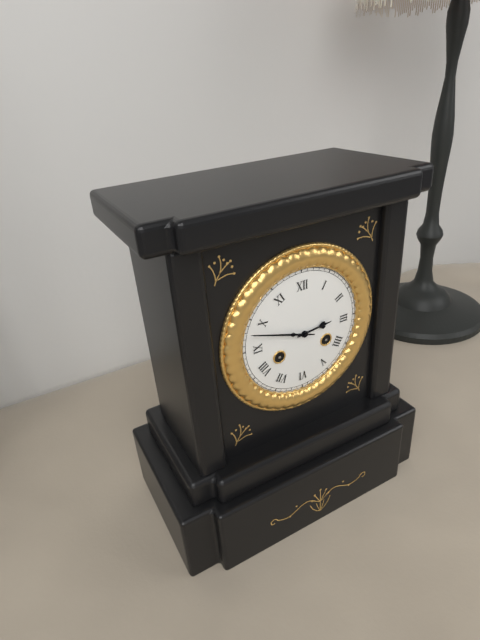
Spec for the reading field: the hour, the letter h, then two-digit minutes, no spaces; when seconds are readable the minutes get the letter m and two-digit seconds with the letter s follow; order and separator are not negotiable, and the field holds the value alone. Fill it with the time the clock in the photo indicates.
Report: 2h48
